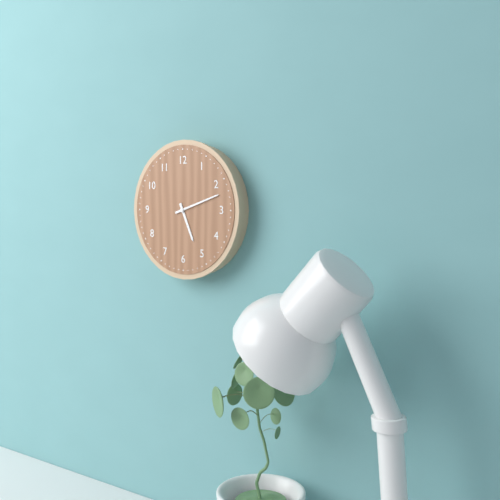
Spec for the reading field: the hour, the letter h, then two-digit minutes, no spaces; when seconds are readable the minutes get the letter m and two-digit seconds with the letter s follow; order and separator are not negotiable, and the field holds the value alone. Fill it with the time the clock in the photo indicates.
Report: 5h12
